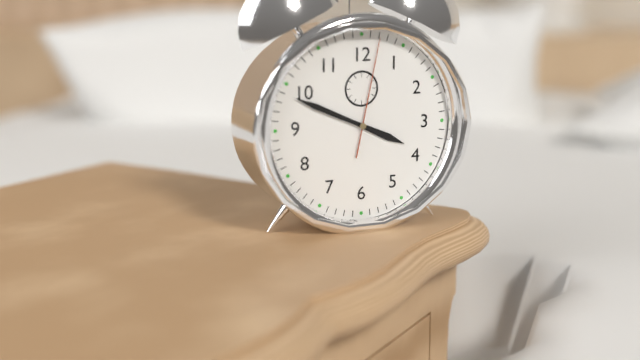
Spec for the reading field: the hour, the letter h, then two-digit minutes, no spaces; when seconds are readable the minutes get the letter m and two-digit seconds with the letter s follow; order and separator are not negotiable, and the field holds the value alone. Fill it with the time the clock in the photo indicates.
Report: 3h49m02s
